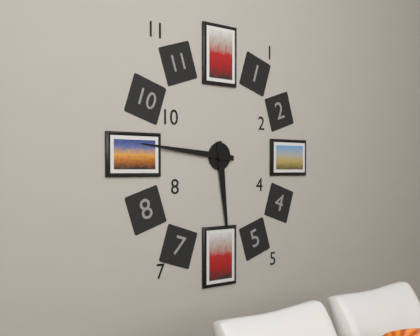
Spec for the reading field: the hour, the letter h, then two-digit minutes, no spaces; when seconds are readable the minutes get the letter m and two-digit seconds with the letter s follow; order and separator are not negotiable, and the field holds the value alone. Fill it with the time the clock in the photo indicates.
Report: 5h46
